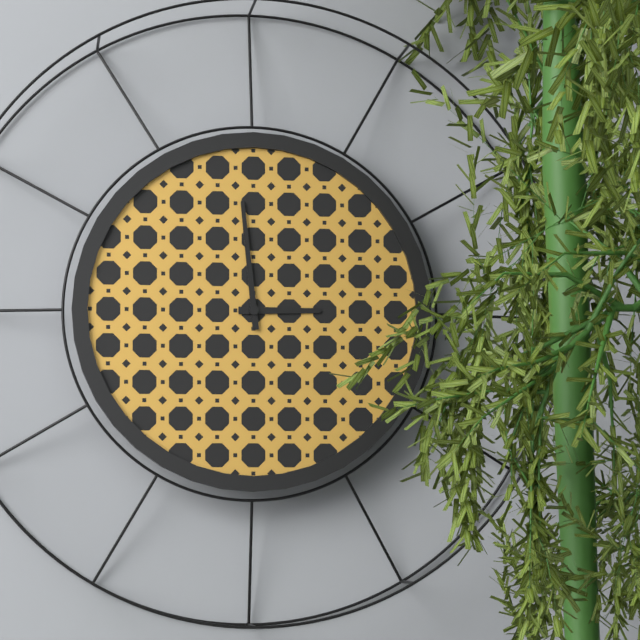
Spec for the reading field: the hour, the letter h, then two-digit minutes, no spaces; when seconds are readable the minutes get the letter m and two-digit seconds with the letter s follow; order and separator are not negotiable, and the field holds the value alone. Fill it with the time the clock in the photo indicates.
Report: 2h59
